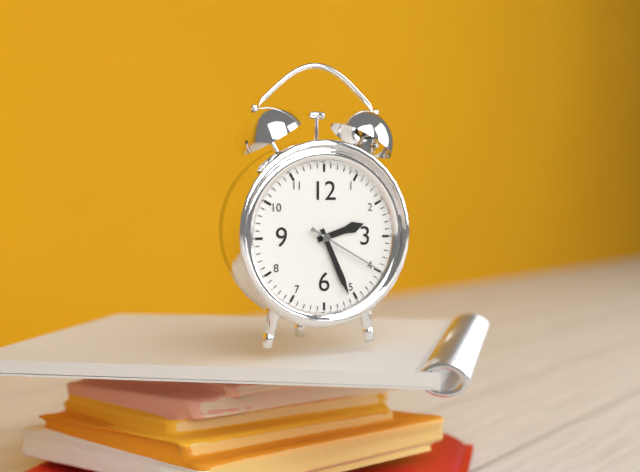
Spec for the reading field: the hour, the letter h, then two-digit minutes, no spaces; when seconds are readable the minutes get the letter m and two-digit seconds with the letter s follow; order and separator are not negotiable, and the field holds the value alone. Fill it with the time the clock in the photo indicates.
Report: 2h26m20s
